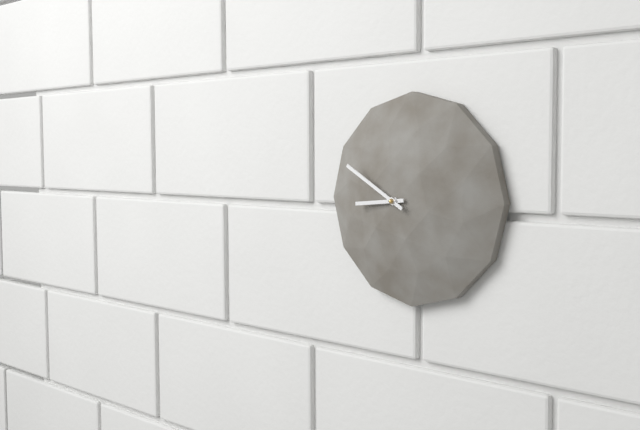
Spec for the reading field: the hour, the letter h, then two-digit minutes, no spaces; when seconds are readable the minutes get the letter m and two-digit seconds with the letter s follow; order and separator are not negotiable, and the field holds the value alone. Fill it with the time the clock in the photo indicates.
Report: 8h50
